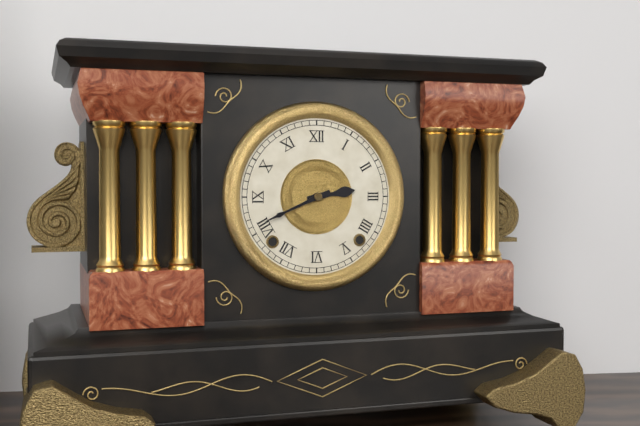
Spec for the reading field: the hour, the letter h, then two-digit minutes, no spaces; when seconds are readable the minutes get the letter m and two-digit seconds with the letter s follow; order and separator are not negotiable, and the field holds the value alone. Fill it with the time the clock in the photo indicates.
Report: 2h41
